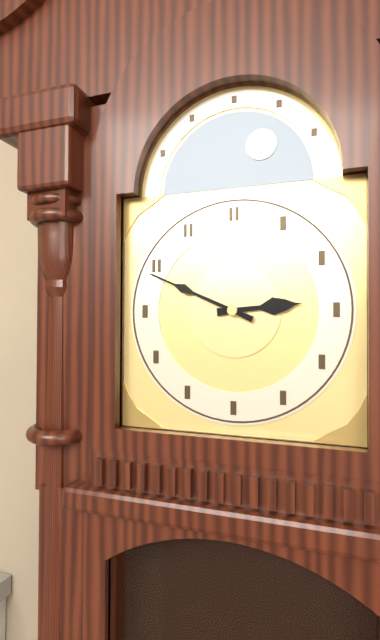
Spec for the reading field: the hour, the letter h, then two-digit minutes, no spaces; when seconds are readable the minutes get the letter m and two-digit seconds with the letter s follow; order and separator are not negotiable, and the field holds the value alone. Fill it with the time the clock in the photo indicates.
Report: 2h49
